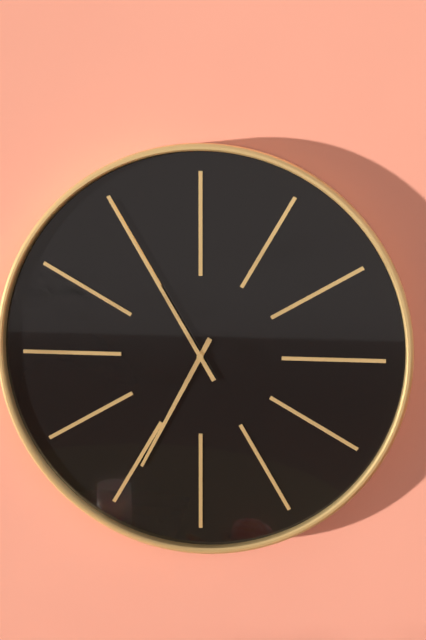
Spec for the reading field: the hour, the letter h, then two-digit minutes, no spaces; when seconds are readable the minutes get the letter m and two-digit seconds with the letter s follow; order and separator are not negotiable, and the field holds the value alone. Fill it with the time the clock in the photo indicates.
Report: 6h55
